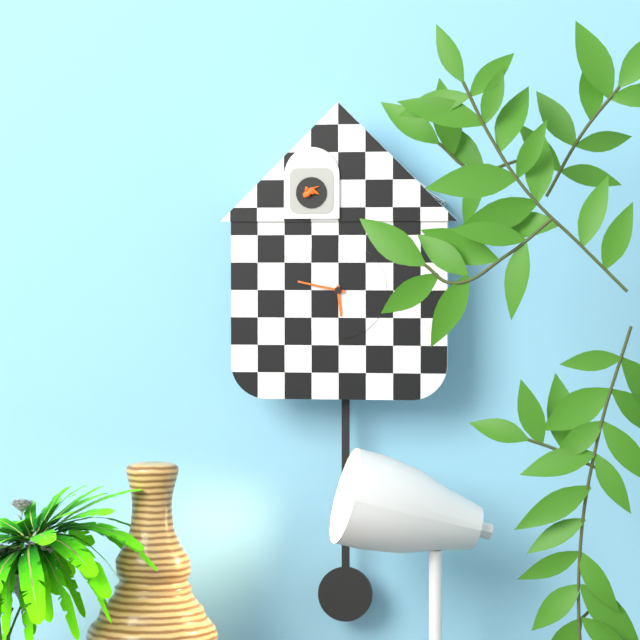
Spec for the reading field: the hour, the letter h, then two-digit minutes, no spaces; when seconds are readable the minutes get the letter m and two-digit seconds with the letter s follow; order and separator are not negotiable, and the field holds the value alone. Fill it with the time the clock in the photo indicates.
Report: 5h47
